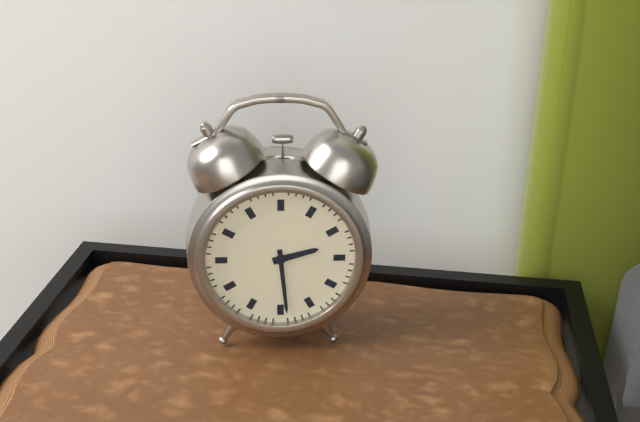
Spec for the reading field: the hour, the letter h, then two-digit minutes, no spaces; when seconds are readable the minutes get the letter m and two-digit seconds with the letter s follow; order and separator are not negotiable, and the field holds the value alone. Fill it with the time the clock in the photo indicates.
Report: 2h29
